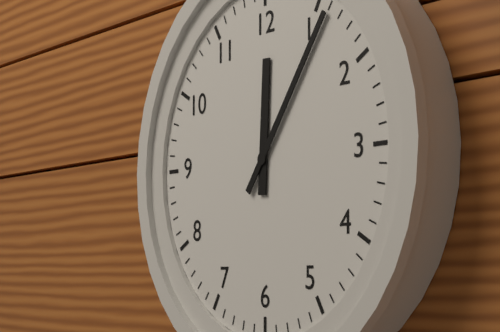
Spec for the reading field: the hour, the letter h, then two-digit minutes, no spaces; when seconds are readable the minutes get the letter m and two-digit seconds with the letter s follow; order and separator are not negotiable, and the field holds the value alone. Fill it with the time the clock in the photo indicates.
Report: 12h06
